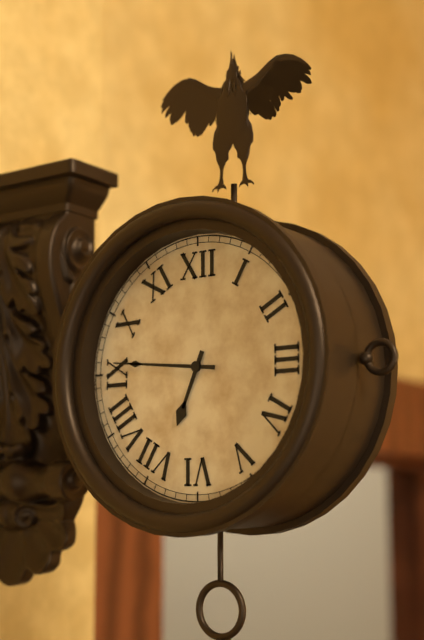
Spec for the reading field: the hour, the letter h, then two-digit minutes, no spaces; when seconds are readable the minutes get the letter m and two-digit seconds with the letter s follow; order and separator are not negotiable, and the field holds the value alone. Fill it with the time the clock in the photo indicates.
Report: 6h46
